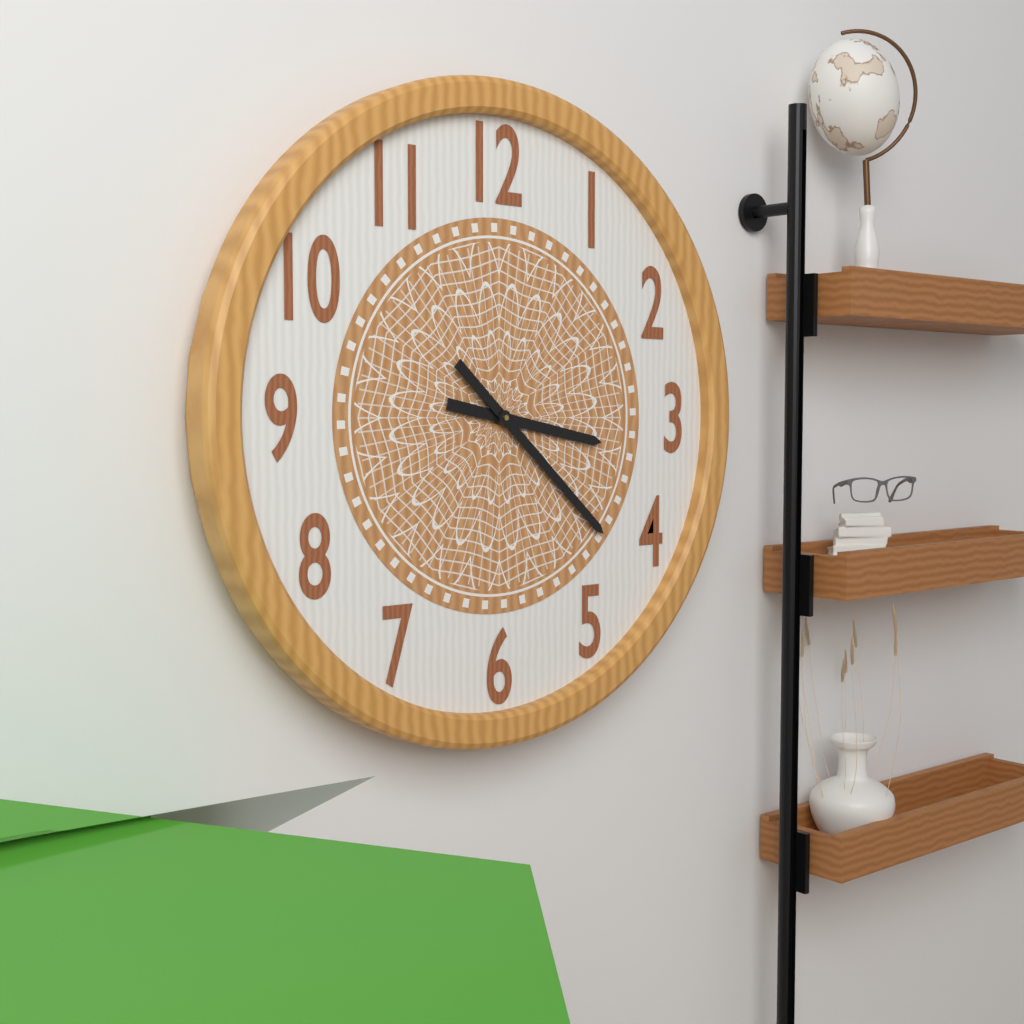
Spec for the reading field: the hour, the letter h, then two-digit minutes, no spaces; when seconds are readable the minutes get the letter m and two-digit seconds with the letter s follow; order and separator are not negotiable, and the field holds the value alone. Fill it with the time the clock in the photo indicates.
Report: 3h22
